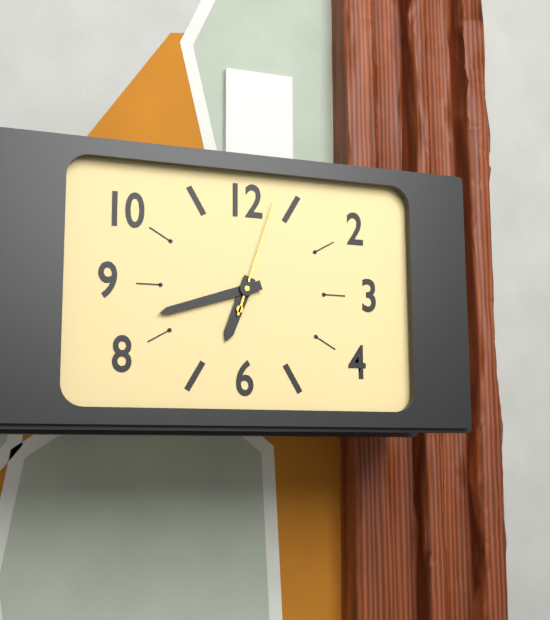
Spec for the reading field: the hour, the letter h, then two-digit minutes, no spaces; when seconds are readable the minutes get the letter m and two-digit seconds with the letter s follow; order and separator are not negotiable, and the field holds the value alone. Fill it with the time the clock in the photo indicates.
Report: 6h42m03s
